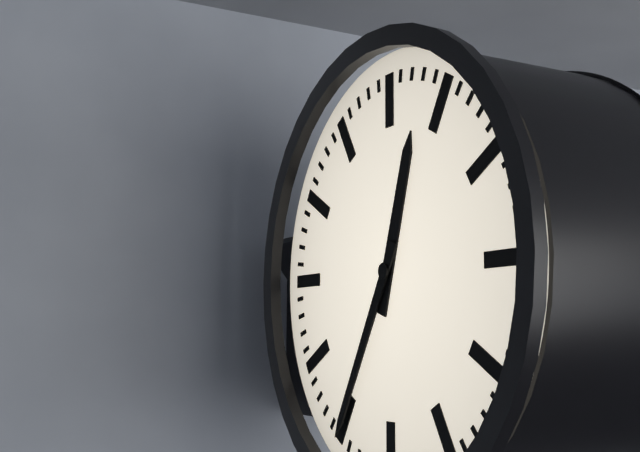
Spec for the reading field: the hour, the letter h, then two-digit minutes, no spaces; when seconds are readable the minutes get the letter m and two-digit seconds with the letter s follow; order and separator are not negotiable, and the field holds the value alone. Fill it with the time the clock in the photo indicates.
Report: 12h35
